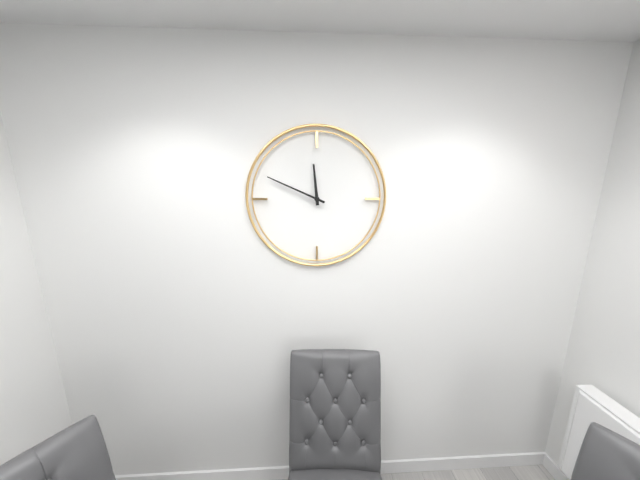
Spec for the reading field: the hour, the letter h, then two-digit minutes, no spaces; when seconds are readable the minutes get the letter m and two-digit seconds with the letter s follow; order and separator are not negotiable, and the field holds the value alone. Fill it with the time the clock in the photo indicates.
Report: 11h49
